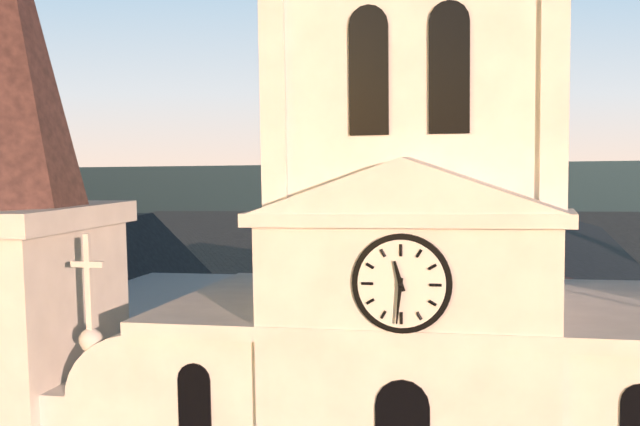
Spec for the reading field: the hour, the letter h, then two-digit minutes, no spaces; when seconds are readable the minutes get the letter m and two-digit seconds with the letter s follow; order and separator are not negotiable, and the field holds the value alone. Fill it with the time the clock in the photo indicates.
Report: 11h31
